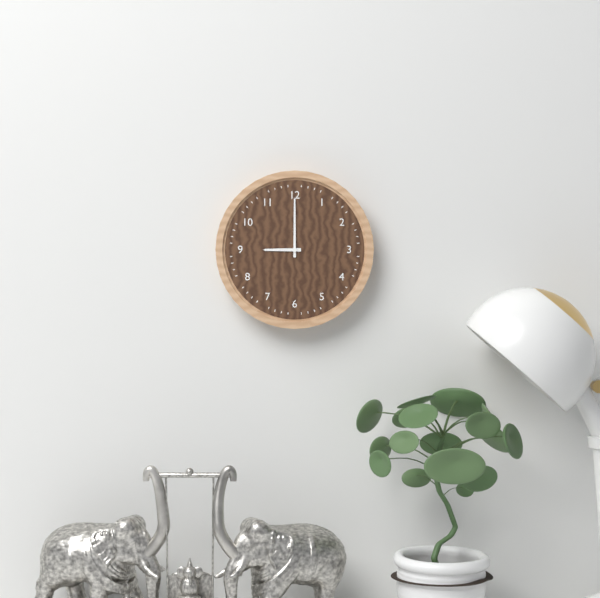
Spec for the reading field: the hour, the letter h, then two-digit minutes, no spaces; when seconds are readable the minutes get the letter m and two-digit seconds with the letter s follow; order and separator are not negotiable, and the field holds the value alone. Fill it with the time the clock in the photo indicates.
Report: 9h00
